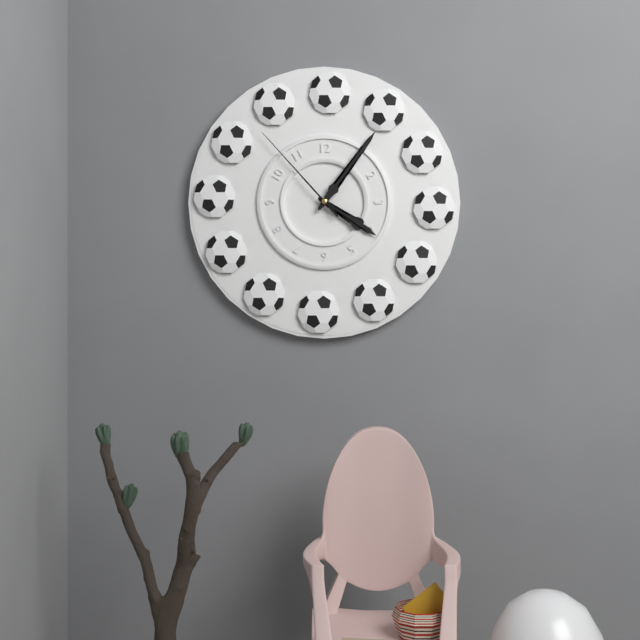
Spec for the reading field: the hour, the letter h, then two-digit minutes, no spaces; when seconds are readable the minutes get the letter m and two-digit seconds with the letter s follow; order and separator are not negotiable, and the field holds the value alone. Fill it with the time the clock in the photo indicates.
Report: 4h06m53s
